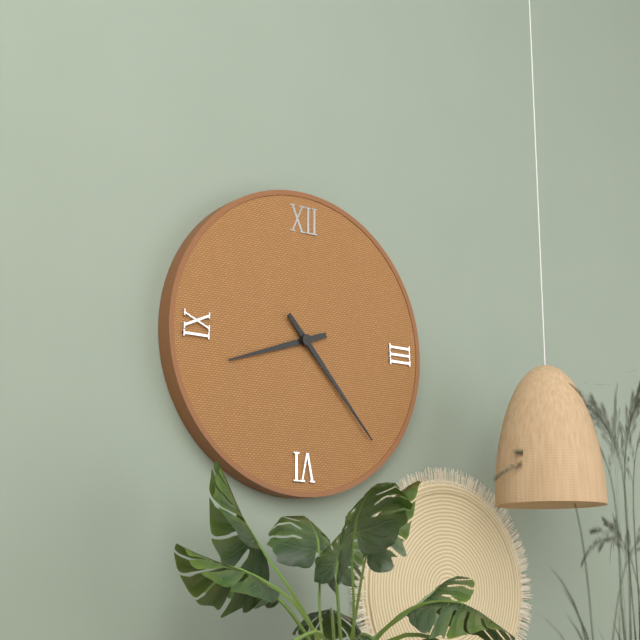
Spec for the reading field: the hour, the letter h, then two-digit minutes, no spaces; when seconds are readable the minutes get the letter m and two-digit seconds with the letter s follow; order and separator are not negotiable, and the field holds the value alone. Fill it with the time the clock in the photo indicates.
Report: 8h23
